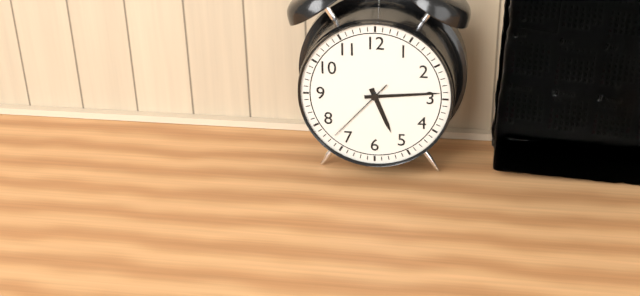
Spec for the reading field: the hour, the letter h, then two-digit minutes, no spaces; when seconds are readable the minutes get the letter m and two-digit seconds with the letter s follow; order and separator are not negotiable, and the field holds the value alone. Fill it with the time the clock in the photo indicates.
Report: 5h14m37s
